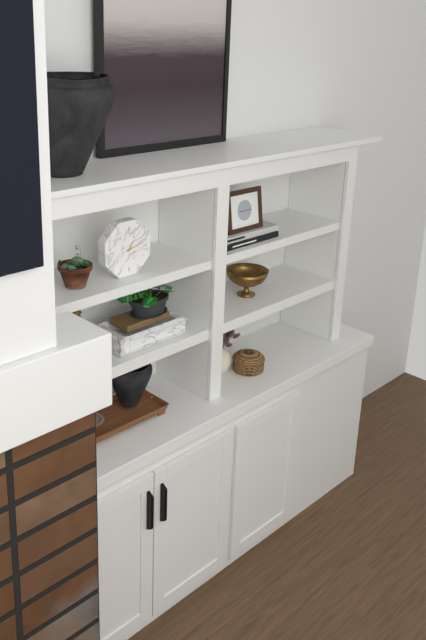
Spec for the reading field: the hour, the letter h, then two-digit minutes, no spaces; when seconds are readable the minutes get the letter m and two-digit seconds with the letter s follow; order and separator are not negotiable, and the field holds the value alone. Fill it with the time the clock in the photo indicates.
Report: 1h13
